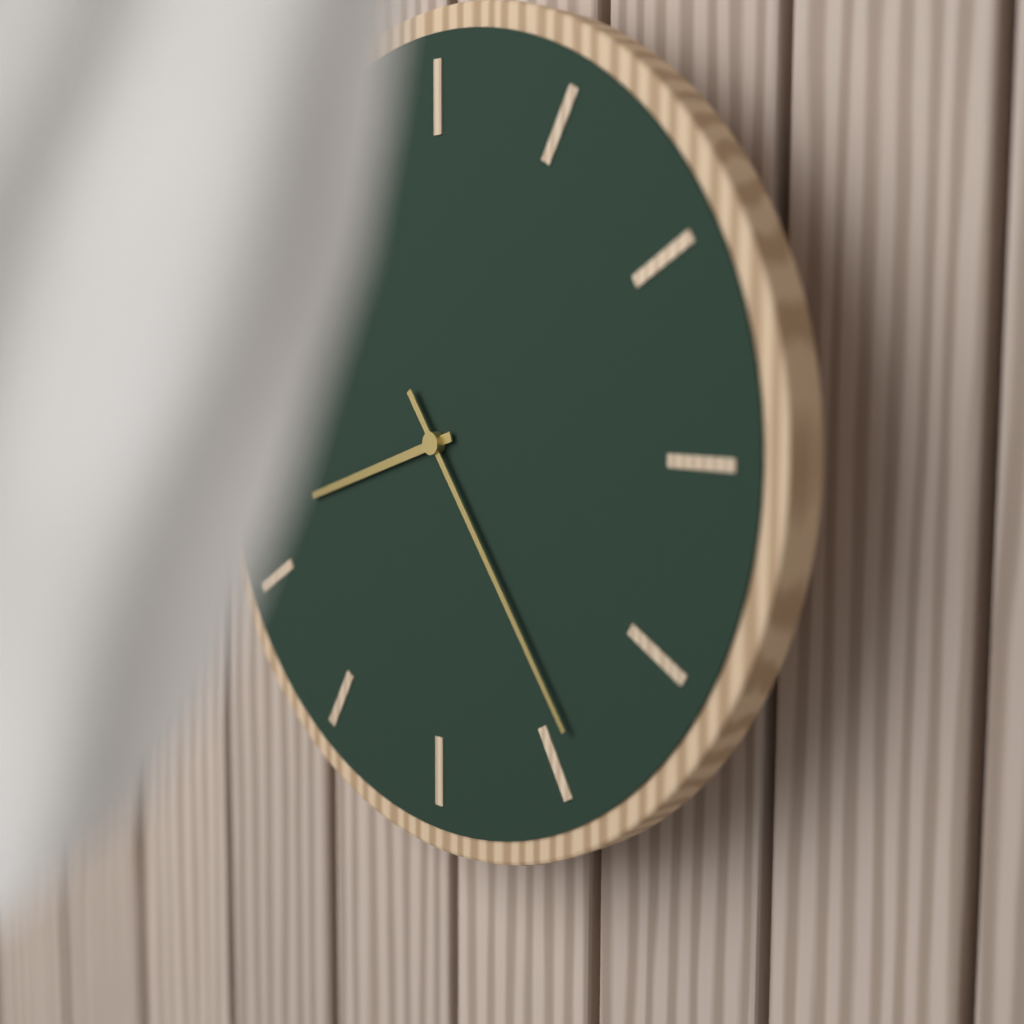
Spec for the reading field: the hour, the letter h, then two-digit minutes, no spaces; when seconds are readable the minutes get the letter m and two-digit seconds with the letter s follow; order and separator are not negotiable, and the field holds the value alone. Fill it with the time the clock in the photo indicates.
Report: 8h24
